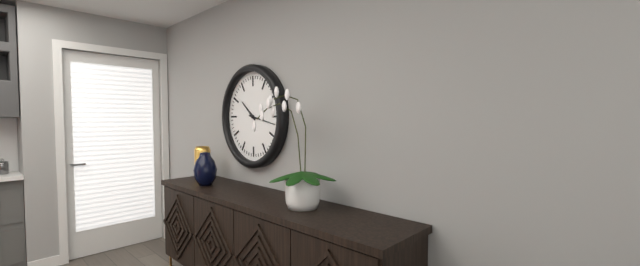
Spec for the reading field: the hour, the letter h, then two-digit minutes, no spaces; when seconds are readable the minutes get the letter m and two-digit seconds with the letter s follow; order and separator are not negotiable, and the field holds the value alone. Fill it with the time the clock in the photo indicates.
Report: 10h17
